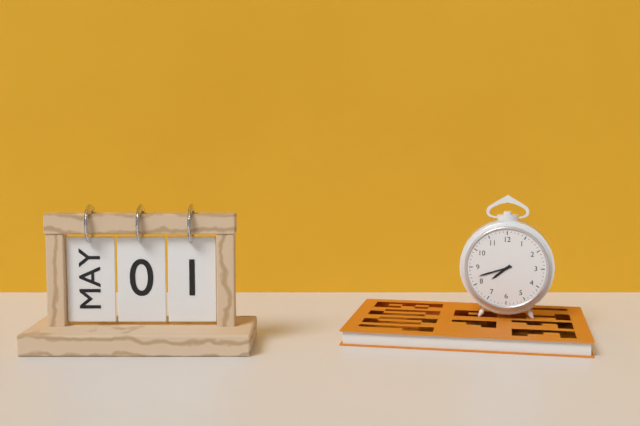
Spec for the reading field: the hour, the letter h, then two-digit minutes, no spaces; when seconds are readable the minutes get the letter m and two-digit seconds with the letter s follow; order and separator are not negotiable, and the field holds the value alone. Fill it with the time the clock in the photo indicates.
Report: 7h42
